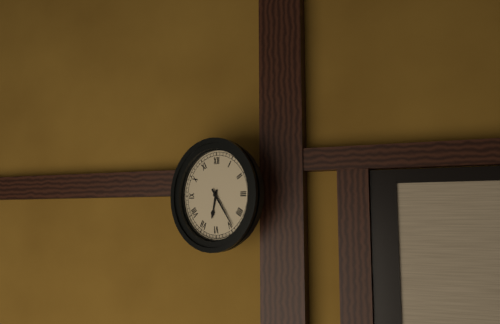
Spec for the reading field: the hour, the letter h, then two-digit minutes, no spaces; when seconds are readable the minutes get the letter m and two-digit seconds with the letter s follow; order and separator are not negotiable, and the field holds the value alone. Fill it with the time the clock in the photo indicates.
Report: 6h24
